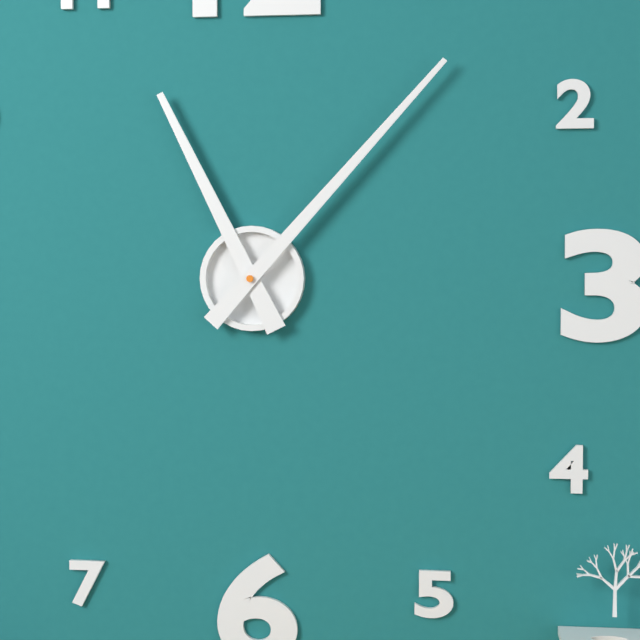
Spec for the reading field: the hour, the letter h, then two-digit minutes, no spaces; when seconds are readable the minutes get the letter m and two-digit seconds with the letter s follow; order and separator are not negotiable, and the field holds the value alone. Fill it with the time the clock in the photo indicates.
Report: 11h07
